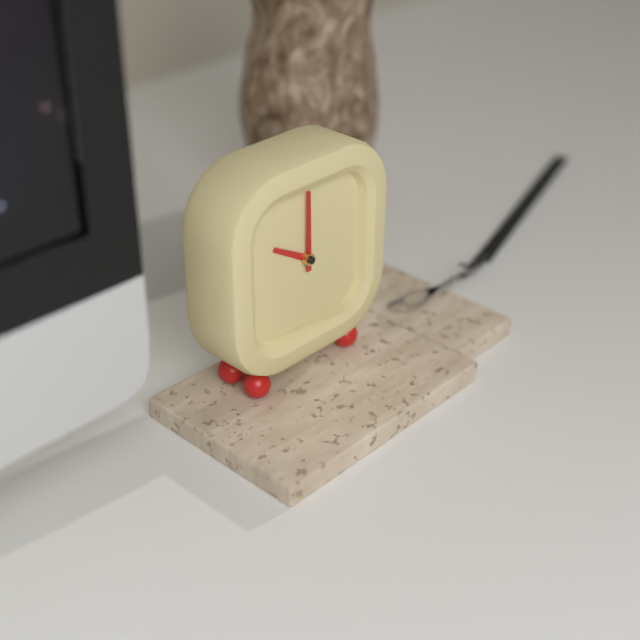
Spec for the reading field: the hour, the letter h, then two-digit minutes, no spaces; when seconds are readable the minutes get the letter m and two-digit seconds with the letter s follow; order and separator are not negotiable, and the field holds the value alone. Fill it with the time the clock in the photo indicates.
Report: 10h00
